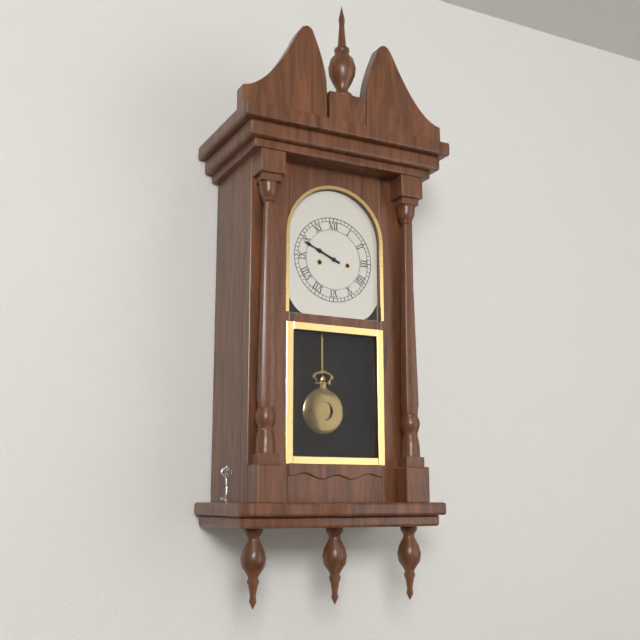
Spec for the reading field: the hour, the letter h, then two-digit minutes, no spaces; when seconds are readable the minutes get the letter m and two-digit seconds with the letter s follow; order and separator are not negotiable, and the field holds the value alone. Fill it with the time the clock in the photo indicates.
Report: 9h49
